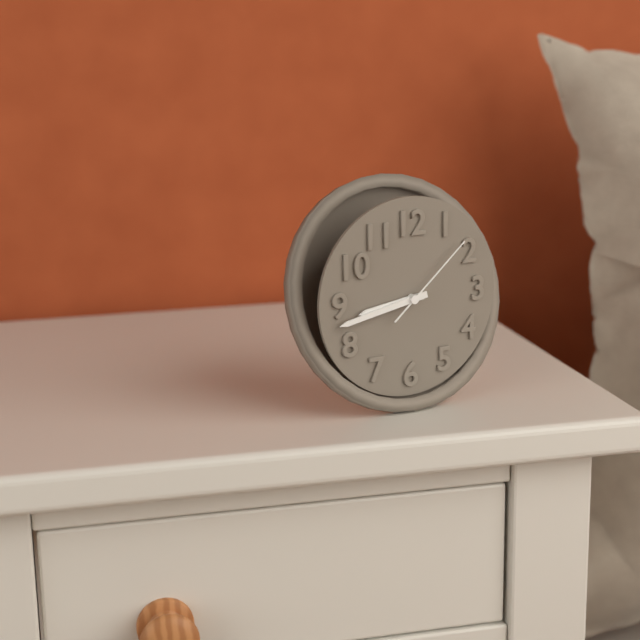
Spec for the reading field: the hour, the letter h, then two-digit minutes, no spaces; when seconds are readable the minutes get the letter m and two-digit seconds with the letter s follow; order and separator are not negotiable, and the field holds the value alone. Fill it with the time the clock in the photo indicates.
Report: 8h43m08s
